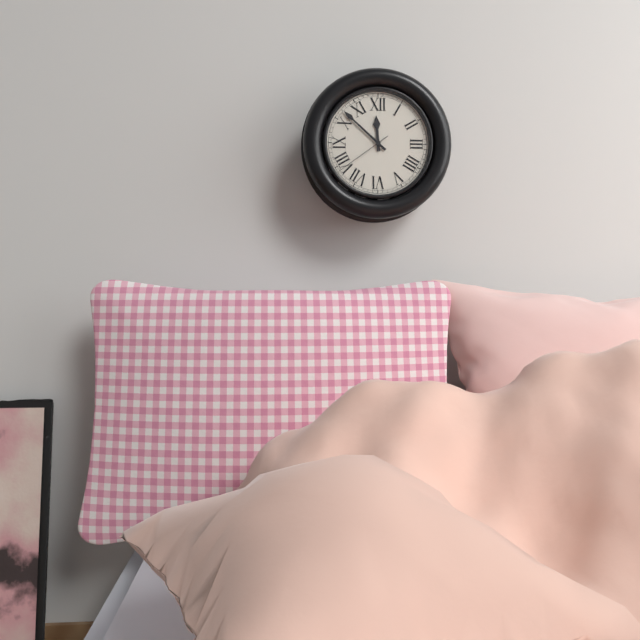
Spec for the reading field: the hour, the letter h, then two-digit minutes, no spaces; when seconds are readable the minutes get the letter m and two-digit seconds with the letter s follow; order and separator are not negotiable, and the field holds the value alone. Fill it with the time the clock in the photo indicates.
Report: 11h52m39s
